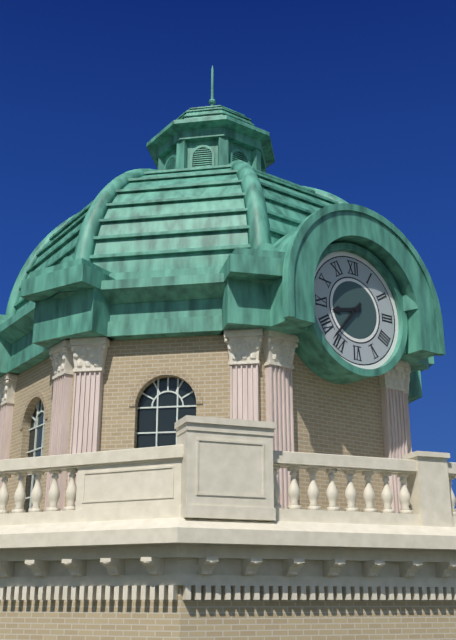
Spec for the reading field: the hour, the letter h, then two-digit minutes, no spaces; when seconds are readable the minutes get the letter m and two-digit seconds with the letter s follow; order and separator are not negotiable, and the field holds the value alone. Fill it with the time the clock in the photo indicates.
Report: 8h37
